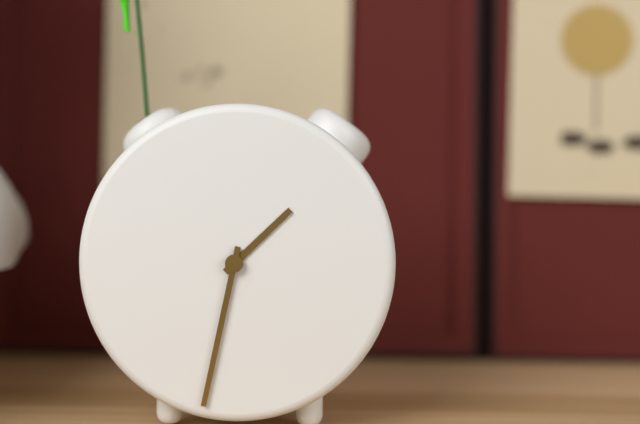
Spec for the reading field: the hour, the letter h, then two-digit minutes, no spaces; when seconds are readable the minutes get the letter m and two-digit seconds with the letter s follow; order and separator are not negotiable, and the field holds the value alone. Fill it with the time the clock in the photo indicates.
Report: 1h32
